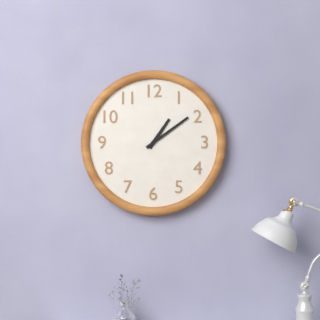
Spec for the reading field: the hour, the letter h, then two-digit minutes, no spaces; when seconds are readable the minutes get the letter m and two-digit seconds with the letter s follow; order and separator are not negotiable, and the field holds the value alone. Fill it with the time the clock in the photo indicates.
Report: 1h09
